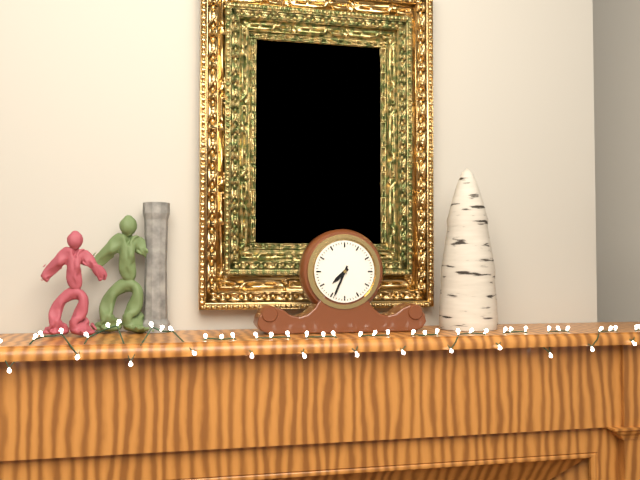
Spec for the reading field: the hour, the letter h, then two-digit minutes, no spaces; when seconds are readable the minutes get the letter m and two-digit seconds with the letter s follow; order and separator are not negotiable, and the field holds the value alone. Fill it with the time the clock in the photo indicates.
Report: 7h34
